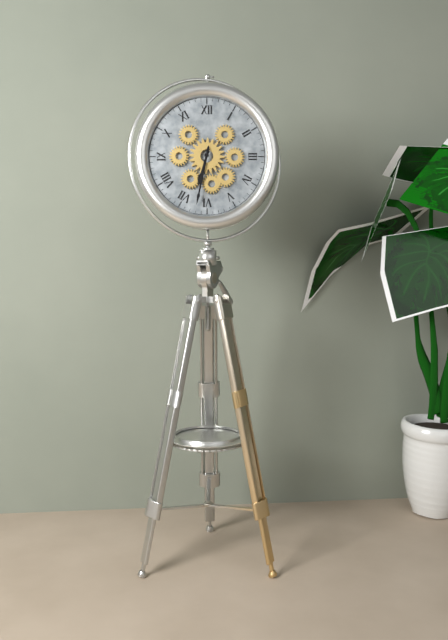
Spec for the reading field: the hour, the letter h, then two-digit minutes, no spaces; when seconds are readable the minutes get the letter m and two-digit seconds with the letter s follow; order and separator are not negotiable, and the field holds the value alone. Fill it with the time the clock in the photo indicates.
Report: 6h32
